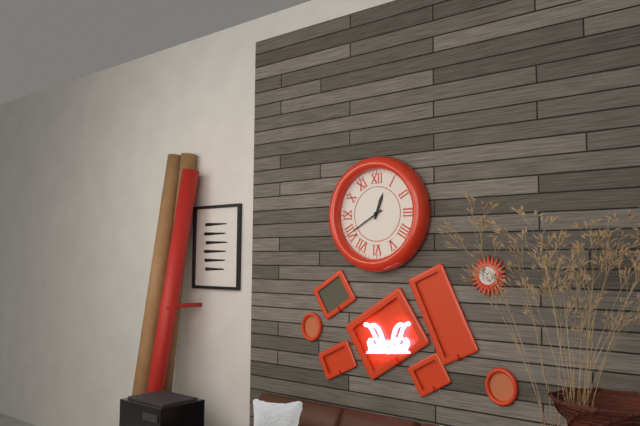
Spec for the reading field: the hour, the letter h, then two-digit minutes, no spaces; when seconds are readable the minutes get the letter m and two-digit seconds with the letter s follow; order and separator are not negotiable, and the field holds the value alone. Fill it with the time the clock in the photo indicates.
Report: 12h40
